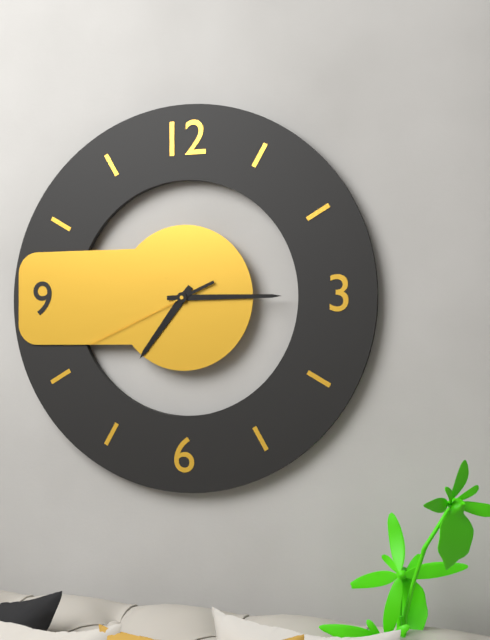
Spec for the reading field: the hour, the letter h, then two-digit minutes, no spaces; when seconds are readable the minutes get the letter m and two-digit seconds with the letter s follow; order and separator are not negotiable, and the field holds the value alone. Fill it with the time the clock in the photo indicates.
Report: 7h15m41s
